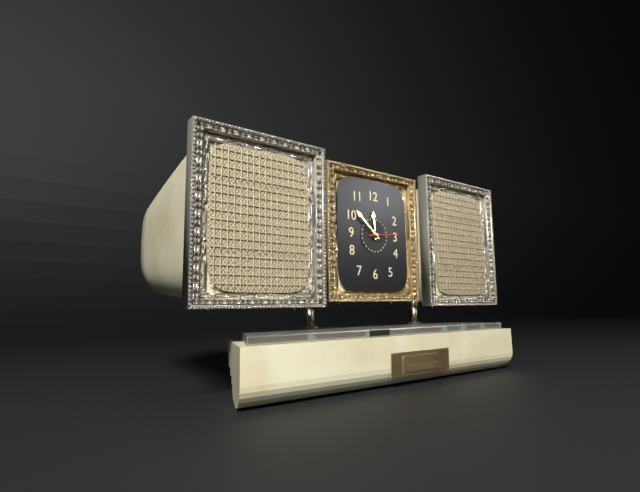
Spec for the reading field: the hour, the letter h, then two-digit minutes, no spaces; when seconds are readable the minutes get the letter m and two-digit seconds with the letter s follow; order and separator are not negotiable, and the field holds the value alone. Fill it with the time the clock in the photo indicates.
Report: 11h52
